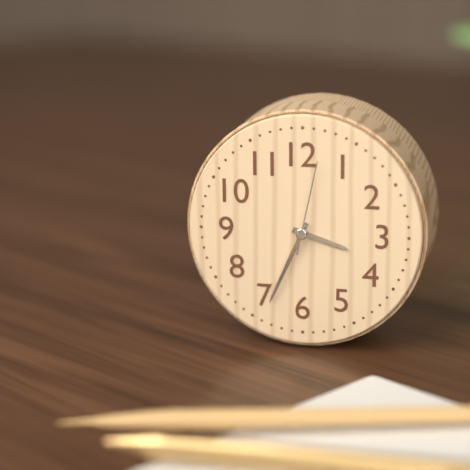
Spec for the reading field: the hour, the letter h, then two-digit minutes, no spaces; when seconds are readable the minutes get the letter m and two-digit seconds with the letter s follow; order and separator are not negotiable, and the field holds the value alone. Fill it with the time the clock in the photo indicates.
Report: 3h34m02s
